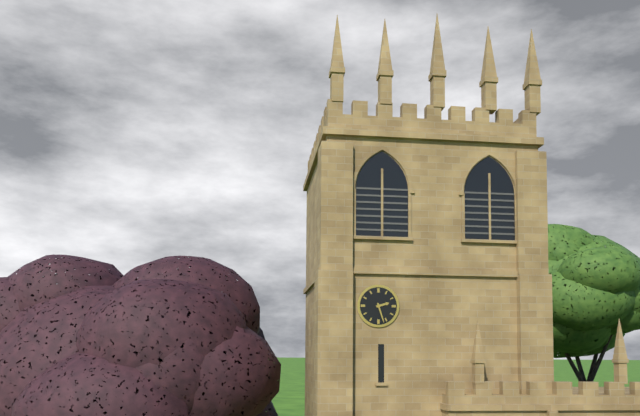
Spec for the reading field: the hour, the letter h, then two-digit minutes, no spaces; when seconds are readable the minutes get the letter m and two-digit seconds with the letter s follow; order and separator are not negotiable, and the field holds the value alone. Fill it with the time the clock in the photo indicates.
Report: 2h27
